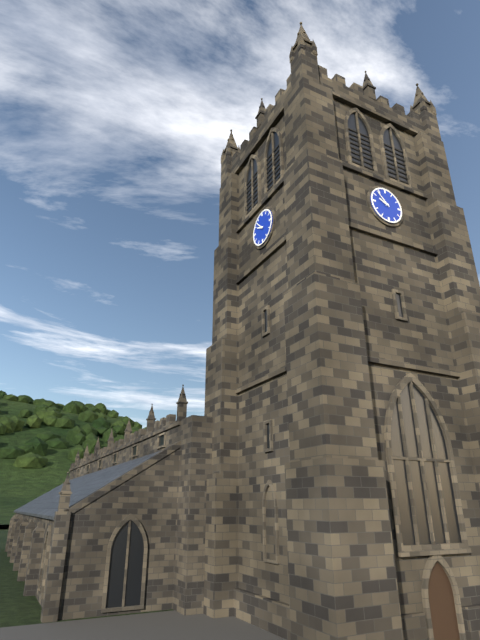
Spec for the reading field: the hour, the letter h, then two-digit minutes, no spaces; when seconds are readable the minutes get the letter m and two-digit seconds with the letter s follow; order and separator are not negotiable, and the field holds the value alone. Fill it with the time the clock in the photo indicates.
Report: 9h53
